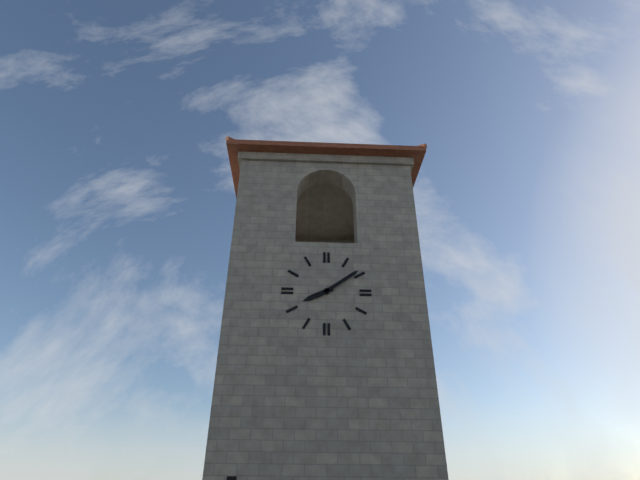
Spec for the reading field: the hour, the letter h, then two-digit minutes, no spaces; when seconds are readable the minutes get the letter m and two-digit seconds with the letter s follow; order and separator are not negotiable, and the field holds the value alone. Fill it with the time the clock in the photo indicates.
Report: 8h09
